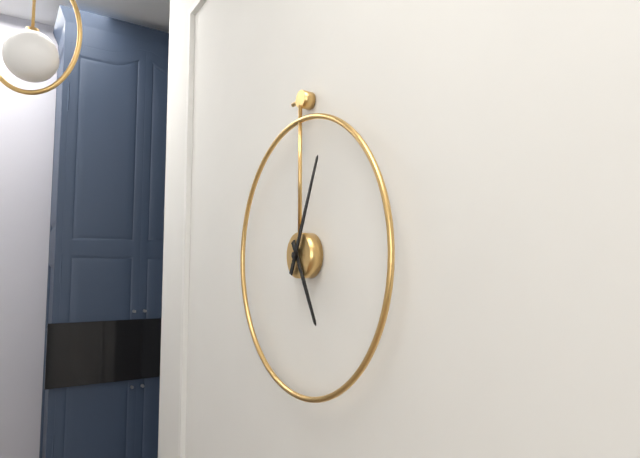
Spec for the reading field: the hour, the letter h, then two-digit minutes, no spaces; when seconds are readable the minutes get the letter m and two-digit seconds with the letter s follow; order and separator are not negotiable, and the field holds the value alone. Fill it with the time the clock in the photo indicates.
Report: 5h04
